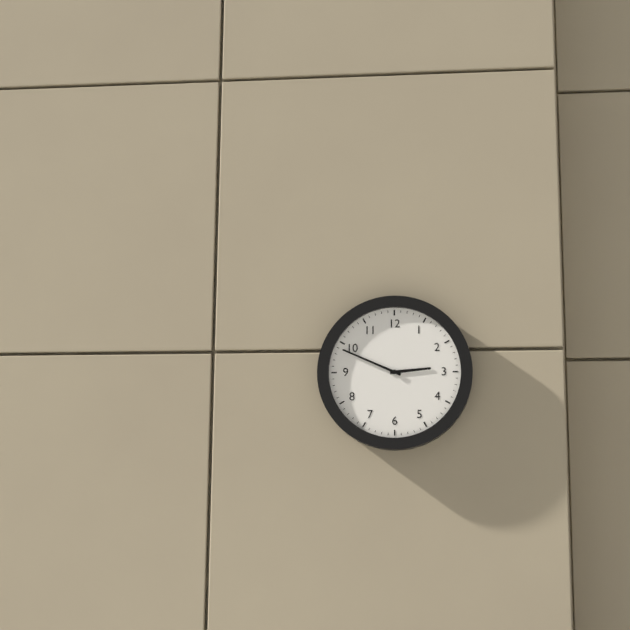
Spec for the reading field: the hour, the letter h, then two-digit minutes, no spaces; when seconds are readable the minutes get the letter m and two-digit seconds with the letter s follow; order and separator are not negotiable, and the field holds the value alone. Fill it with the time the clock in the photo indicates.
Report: 2h49
